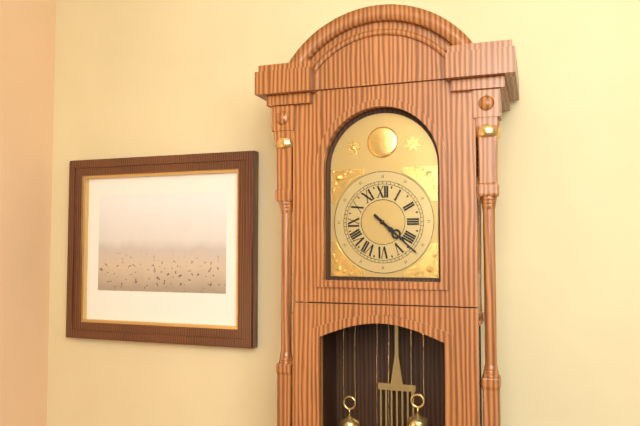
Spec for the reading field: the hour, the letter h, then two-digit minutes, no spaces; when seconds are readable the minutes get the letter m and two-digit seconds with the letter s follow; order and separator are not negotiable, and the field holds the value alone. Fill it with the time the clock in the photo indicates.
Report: 4h22
